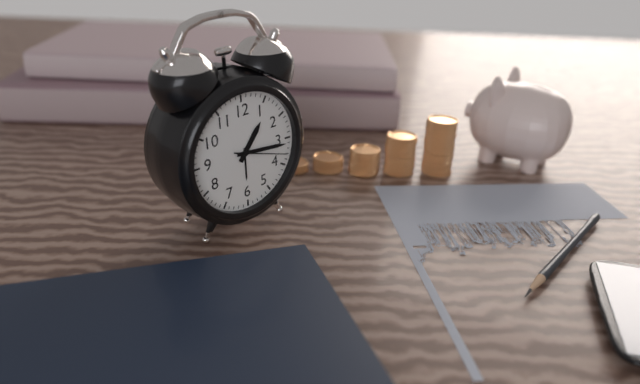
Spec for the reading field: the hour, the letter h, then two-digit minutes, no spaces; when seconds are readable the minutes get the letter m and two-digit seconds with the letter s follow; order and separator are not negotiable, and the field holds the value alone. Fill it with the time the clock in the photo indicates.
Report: 1h16m18s
